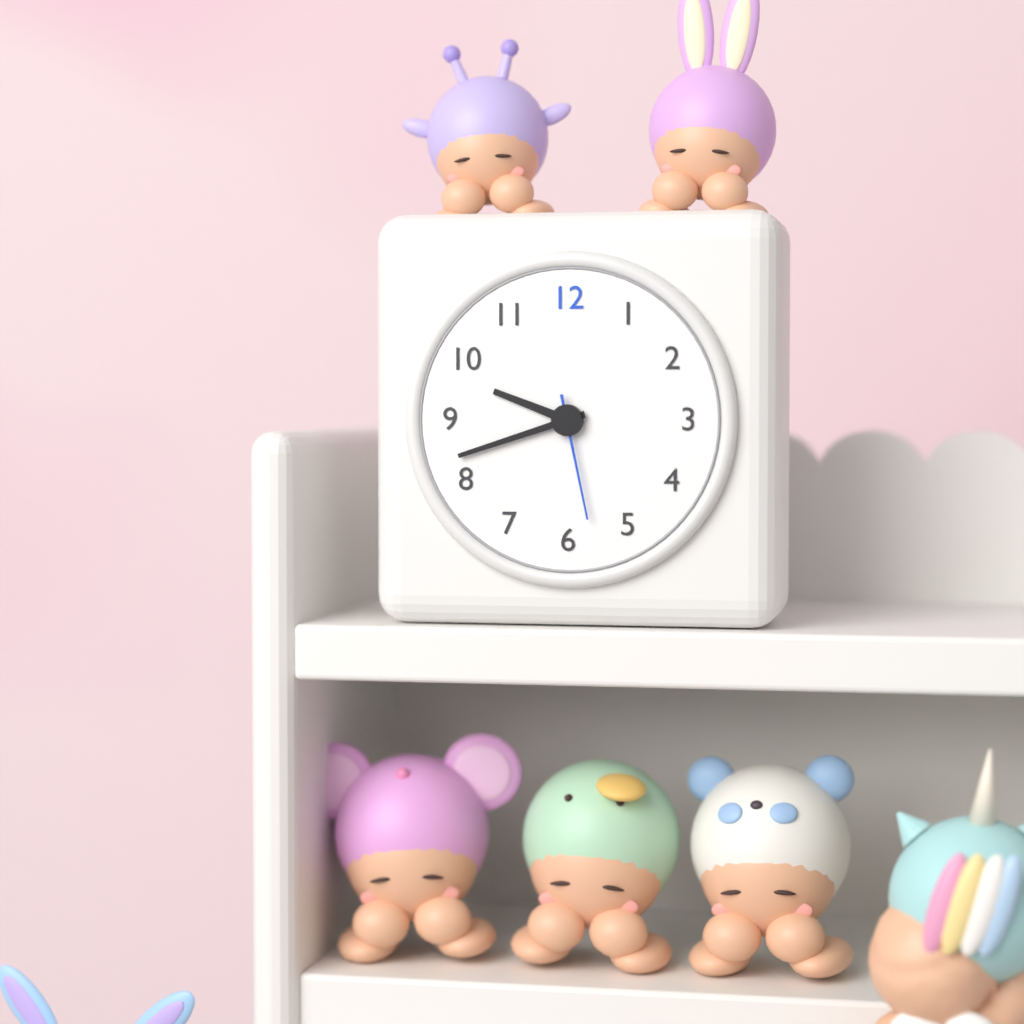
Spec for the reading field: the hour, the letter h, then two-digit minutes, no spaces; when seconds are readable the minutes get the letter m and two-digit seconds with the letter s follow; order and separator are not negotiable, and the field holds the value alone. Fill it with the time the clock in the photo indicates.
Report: 9h42m28s
